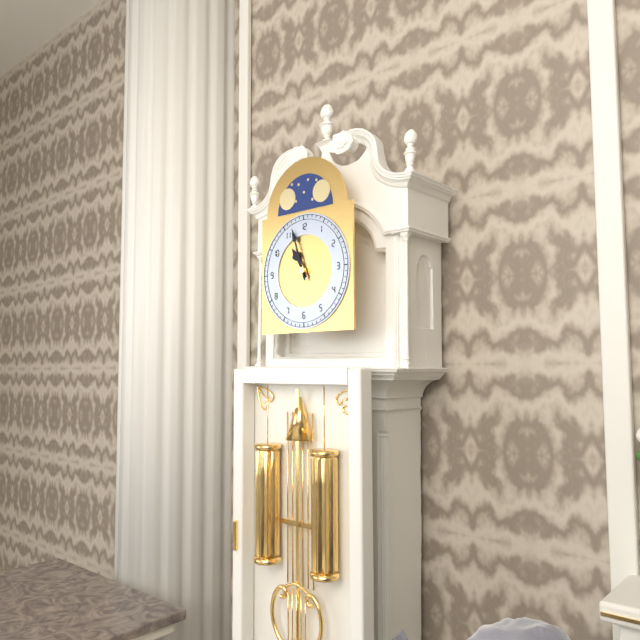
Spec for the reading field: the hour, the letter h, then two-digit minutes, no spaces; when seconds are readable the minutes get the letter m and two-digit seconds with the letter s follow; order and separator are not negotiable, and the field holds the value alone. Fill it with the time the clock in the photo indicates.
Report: 10h57
